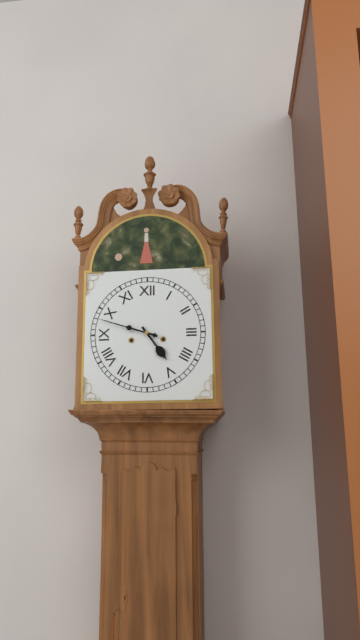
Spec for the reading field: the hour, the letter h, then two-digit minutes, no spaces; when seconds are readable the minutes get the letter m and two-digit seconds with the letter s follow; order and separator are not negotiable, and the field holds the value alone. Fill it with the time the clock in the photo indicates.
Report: 4h48
